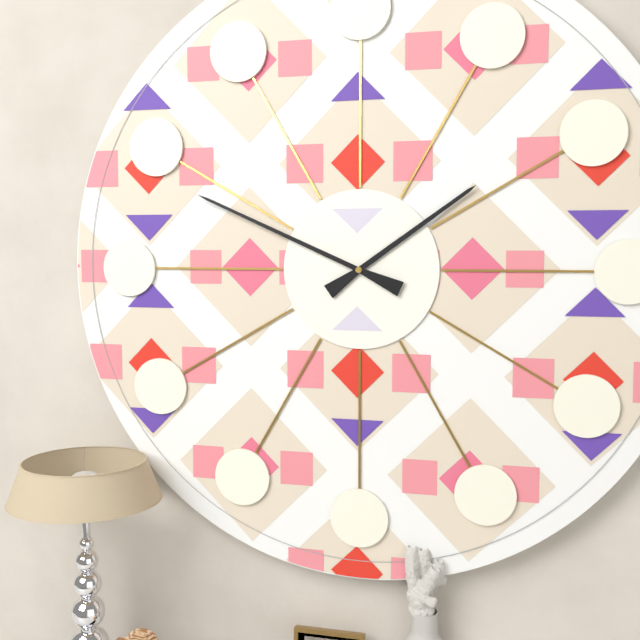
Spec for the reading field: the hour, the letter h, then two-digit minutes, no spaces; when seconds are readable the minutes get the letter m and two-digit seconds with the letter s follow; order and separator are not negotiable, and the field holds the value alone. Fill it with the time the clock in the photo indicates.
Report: 1h49
